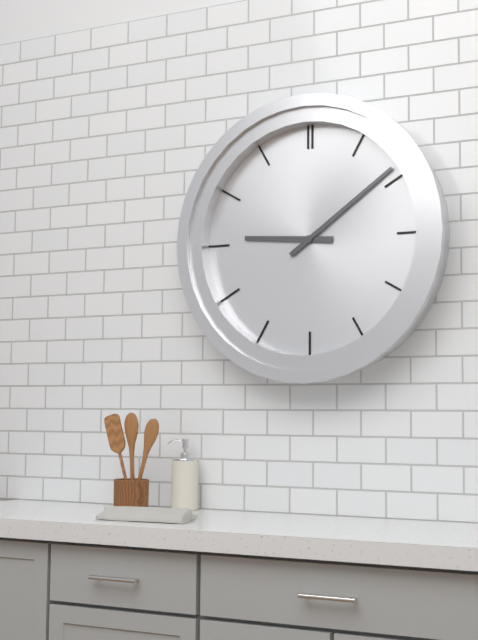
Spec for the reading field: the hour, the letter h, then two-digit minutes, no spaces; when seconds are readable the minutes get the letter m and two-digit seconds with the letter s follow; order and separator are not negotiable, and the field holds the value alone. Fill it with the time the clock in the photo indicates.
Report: 9h09
